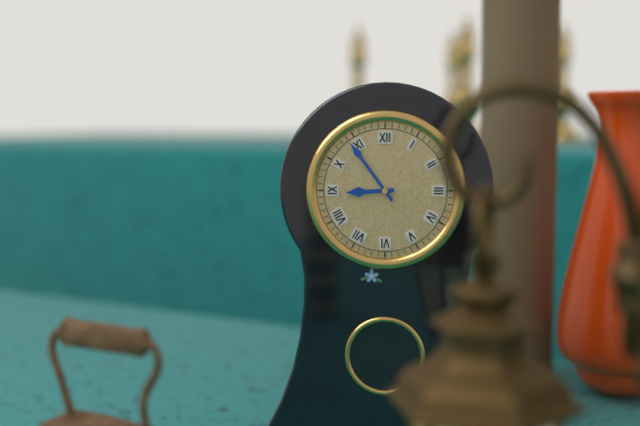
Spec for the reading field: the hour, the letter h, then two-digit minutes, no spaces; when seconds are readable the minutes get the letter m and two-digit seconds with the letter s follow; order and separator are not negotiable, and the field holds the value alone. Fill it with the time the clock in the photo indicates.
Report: 8h54
